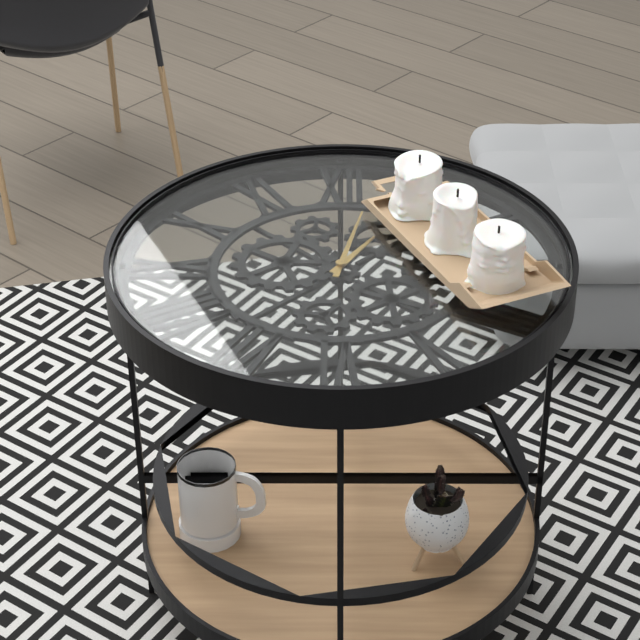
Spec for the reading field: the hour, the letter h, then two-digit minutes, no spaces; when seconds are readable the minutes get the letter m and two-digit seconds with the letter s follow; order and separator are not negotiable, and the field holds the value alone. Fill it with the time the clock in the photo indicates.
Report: 1h02
